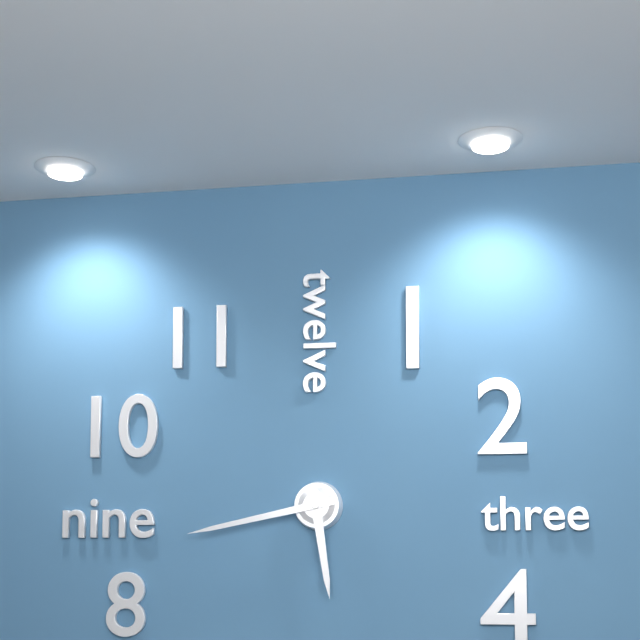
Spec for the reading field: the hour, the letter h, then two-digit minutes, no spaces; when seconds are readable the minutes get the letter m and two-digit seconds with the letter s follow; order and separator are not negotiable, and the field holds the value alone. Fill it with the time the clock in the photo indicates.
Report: 5h43
